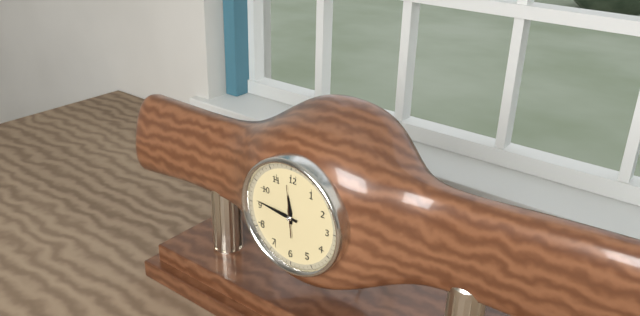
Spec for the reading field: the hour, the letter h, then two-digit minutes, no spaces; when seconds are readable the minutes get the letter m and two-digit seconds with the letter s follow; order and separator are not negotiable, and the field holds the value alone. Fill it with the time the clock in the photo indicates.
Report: 11h46
